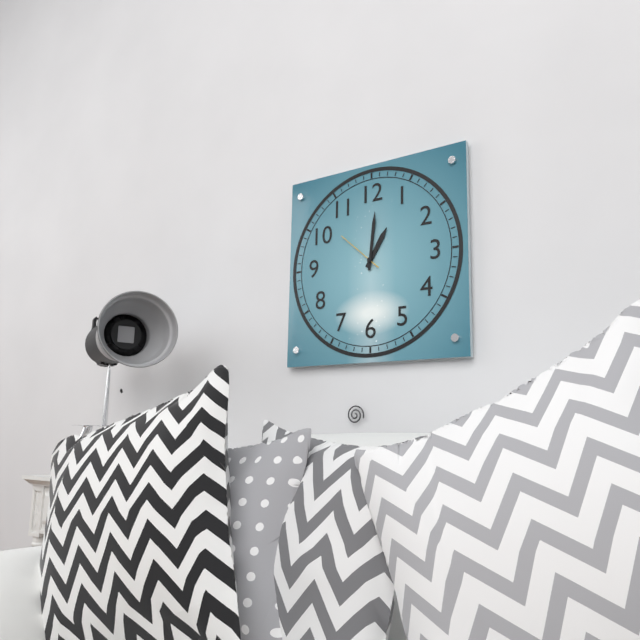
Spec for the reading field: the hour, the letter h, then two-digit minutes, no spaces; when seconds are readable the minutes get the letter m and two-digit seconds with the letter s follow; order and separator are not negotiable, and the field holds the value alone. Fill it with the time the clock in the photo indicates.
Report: 1h01
